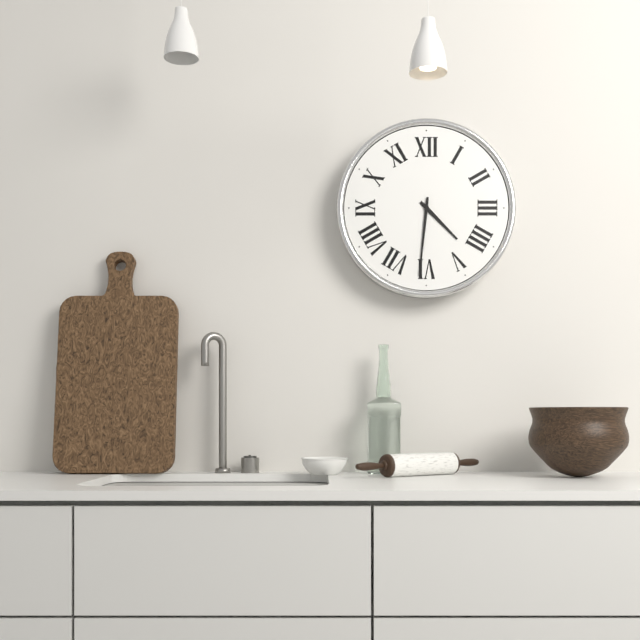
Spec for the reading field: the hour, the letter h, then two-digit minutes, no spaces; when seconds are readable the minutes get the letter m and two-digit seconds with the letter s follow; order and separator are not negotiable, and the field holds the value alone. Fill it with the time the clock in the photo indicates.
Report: 4h31
